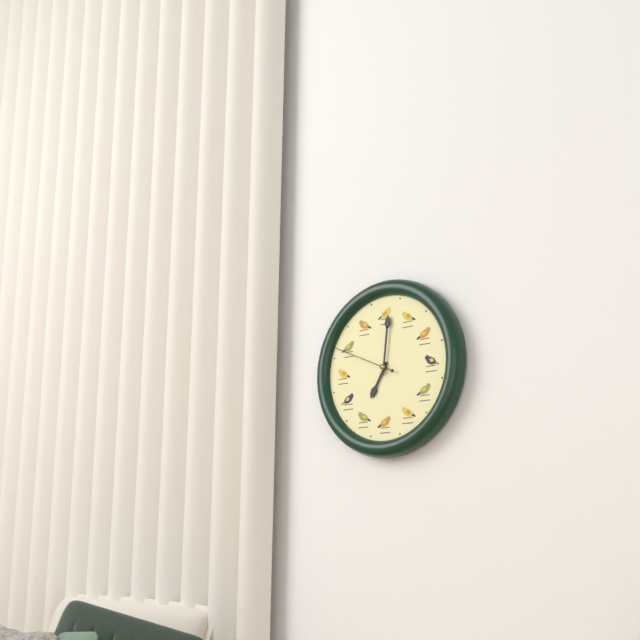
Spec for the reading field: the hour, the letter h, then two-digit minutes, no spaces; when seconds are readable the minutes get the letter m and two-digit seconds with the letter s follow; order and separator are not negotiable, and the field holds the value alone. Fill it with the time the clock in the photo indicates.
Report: 7h01m49s
